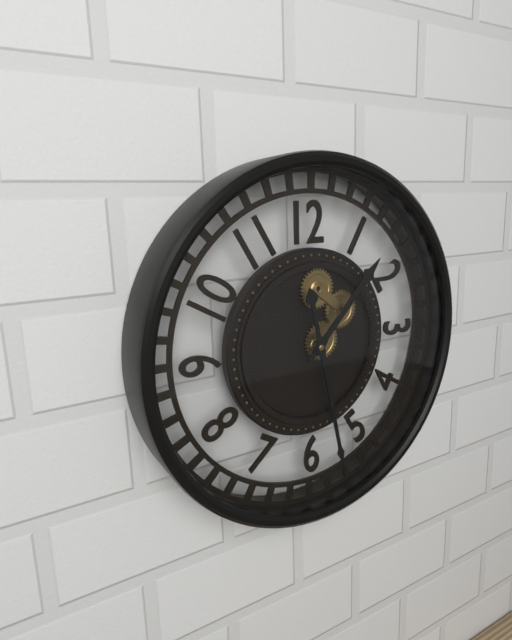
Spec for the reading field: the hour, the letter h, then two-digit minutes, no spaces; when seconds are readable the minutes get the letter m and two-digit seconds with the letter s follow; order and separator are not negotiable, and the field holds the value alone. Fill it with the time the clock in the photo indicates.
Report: 1h28
